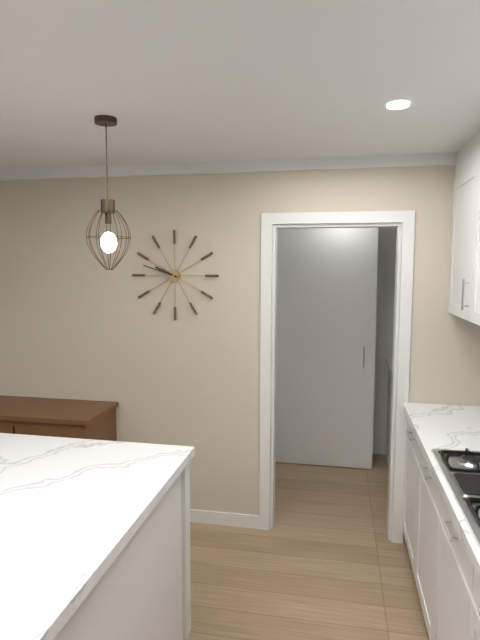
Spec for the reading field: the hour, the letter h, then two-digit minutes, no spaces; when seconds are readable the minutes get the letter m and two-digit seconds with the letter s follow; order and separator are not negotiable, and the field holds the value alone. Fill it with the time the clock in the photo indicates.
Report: 9h48
